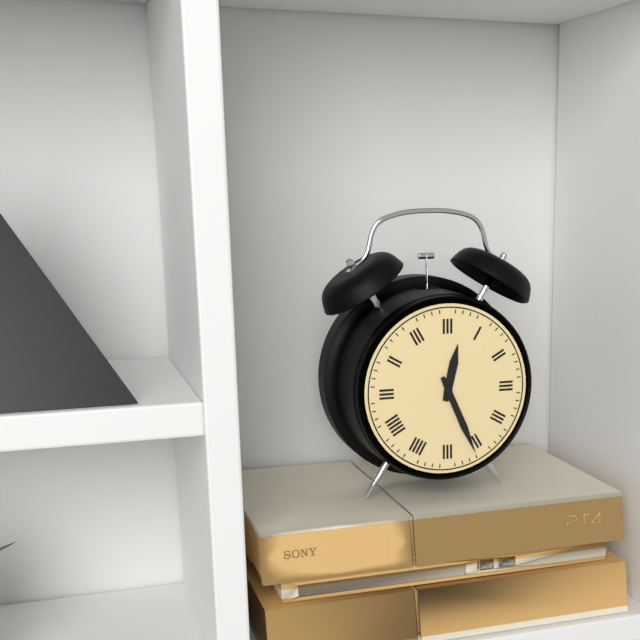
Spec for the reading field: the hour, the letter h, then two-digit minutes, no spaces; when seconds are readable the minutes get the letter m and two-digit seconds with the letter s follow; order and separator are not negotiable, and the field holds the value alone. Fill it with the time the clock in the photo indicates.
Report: 12h26
